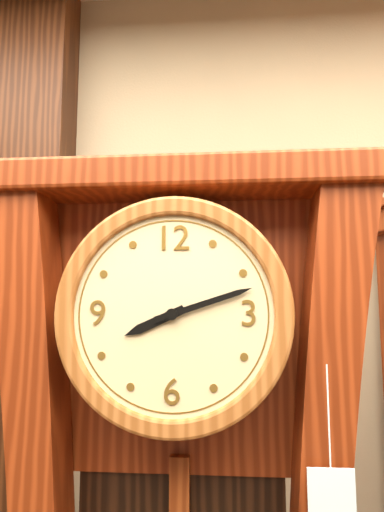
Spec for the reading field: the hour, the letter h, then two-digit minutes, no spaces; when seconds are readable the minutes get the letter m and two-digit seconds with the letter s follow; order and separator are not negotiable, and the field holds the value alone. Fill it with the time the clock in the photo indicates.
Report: 8h12
